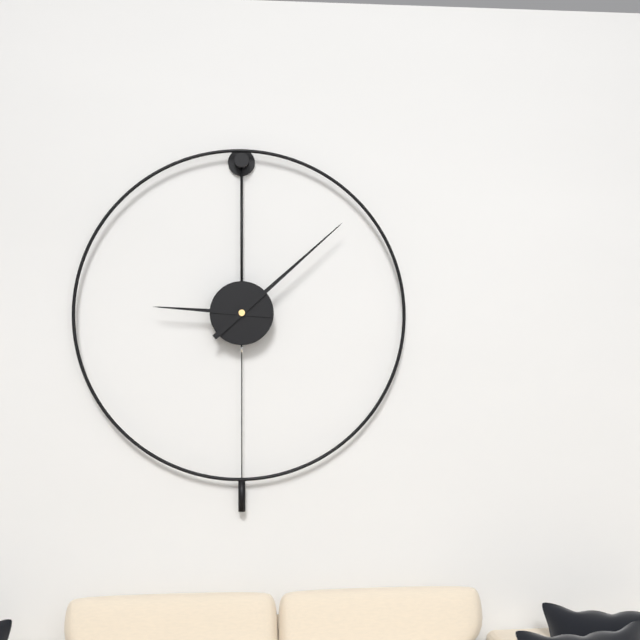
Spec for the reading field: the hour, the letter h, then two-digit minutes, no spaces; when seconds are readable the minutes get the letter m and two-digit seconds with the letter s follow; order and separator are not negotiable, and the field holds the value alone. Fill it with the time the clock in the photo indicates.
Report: 9h08
